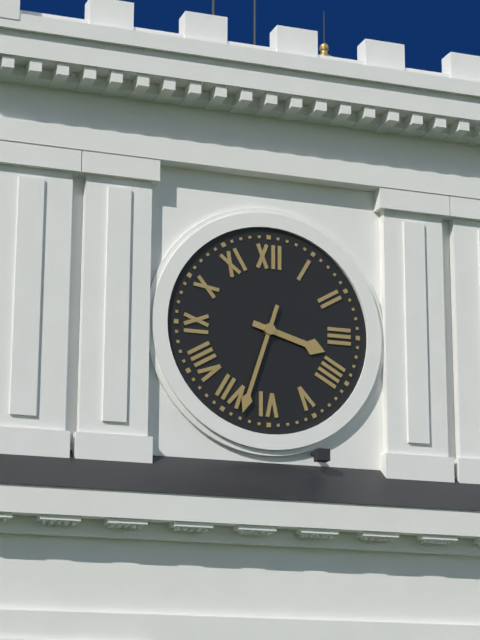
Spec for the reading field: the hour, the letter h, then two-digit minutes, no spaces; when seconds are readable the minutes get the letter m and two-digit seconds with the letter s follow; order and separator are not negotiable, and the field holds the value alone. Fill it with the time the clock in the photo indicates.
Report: 3h33
